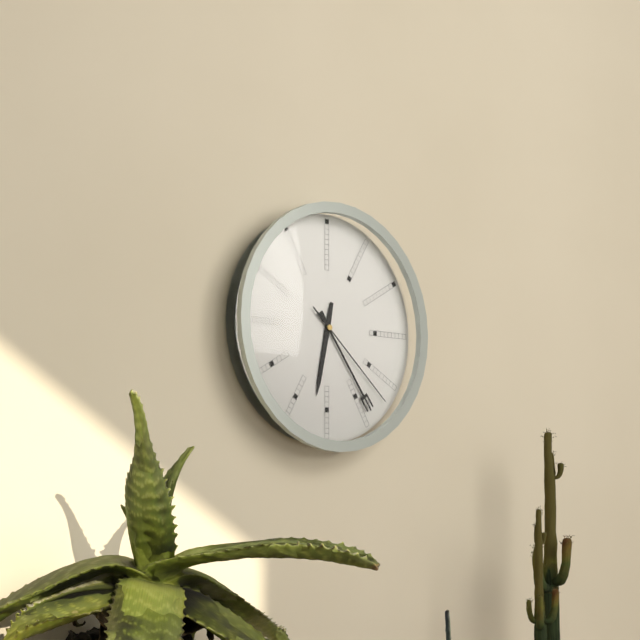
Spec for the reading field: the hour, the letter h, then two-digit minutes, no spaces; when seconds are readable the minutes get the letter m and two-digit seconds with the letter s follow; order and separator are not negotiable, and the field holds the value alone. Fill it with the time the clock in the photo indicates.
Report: 6h24m22s
